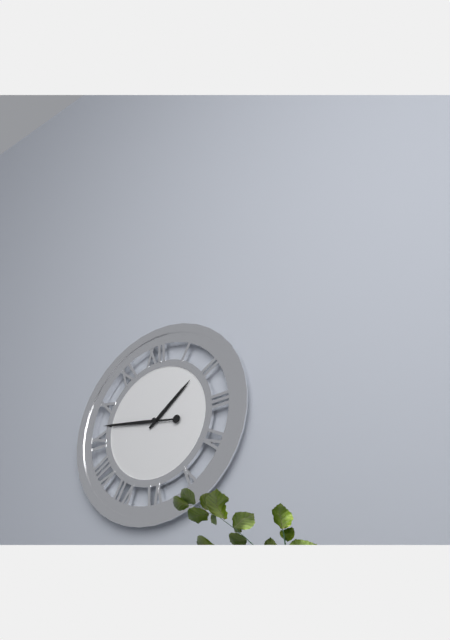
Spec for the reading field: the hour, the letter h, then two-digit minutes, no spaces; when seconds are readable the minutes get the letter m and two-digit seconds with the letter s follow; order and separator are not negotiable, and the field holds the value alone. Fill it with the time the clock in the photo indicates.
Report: 1h47
